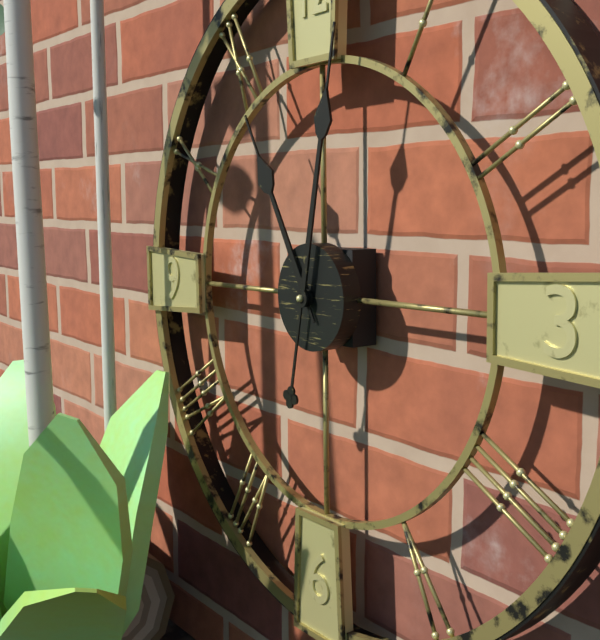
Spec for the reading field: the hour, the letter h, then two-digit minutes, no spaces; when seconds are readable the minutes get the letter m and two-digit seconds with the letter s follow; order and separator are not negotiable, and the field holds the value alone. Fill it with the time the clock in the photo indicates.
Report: 11h02
